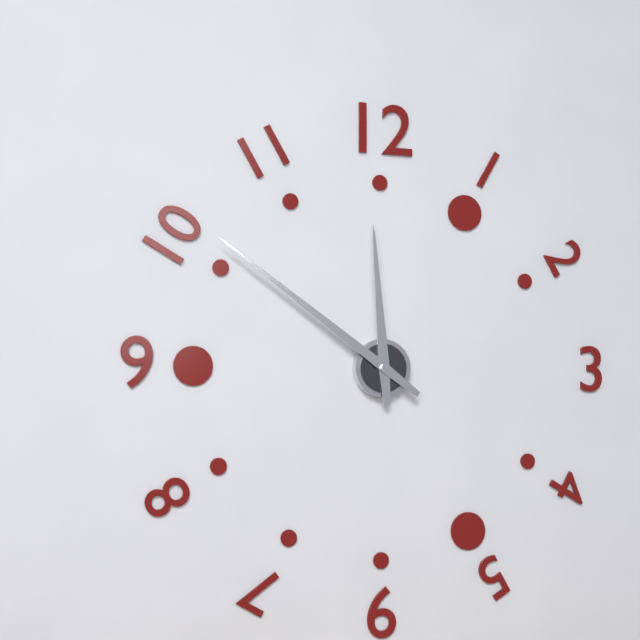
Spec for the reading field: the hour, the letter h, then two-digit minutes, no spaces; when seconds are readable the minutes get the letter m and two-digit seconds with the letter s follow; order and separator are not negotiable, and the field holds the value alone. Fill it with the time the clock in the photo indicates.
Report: 11h51
